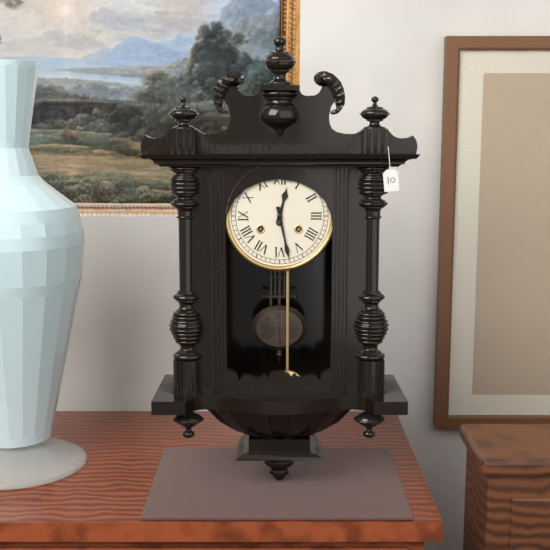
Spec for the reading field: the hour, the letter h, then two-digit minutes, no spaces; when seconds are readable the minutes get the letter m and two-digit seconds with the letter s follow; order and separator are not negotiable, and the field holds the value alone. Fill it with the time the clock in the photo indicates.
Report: 12h28
